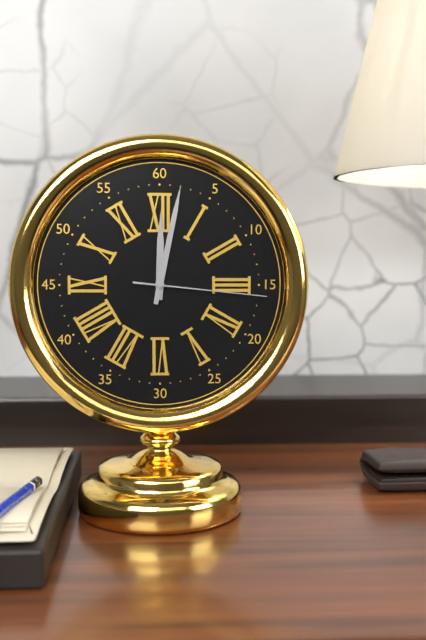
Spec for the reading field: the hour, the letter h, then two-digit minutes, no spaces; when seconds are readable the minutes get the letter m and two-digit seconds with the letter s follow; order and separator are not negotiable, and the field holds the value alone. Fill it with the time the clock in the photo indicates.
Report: 12h02m16s
